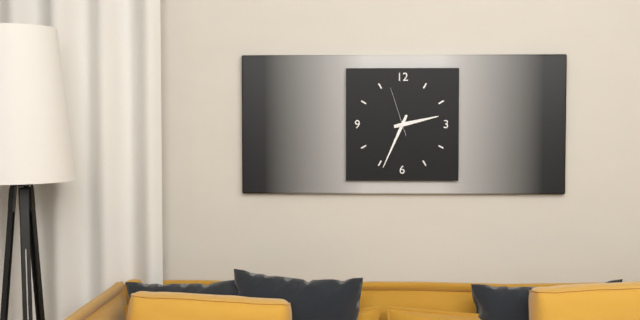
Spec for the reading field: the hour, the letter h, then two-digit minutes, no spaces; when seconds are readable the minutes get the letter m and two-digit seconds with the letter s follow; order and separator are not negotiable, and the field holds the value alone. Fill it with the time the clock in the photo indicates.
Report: 2h34
